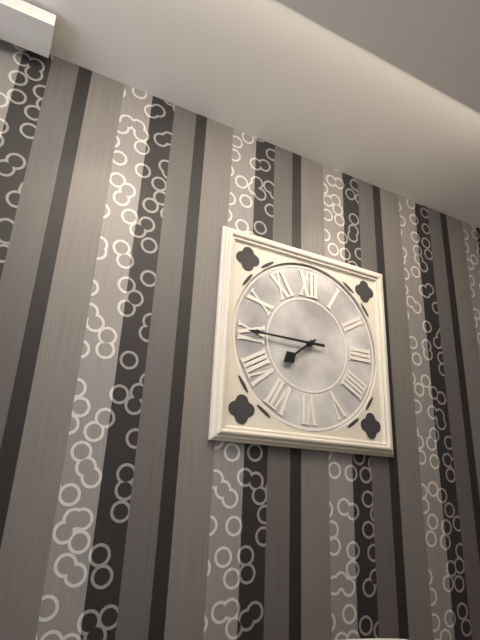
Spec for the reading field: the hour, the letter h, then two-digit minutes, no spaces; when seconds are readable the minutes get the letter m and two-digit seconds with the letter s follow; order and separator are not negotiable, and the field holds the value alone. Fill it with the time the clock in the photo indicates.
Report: 7h45
